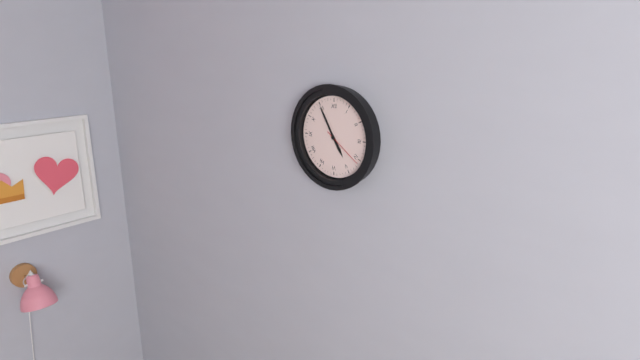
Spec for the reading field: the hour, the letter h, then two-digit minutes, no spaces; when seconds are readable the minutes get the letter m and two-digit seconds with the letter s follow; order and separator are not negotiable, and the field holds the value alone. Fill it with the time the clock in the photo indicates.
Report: 4h55
